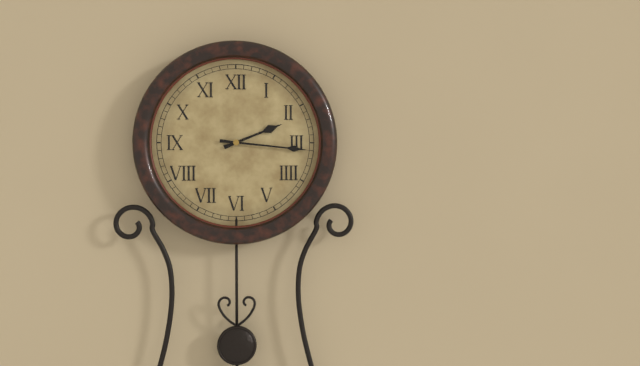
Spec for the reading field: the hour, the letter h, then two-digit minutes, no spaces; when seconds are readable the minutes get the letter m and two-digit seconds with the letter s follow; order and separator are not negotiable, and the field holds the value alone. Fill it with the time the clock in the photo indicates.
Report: 2h16
